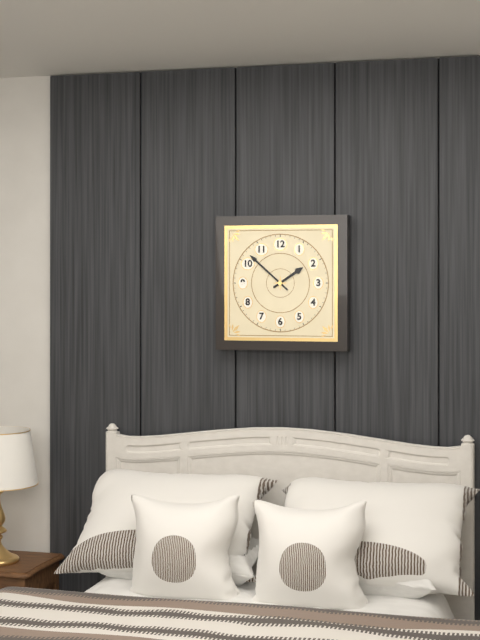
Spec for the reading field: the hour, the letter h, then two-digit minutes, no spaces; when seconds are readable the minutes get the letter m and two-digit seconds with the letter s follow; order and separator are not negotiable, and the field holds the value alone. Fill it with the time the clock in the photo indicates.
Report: 1h52
